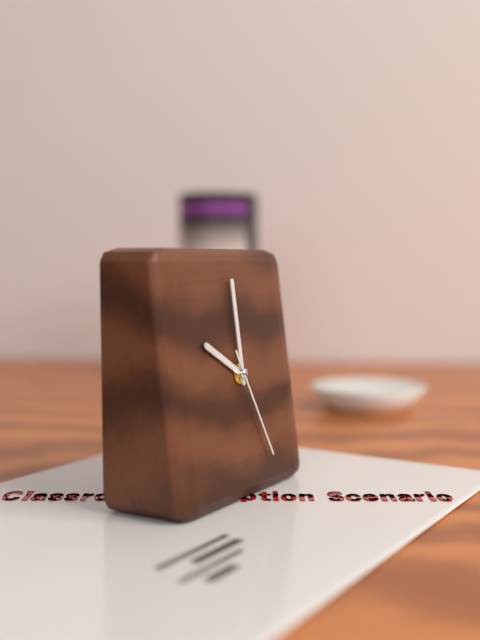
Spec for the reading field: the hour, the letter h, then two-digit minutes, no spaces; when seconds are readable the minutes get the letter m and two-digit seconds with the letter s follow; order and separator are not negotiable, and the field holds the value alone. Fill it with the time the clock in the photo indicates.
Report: 10h00m26s
